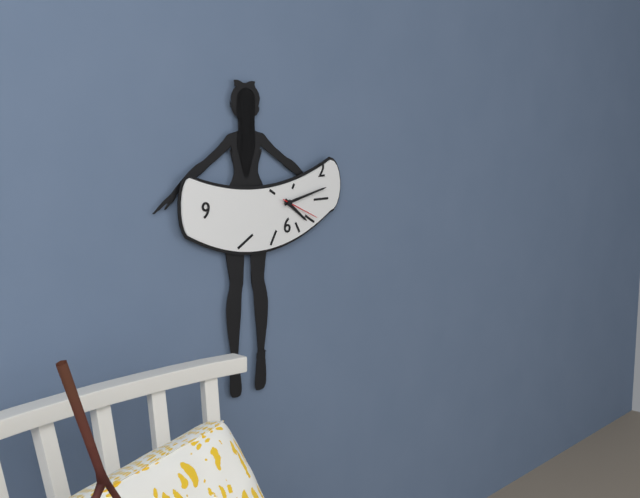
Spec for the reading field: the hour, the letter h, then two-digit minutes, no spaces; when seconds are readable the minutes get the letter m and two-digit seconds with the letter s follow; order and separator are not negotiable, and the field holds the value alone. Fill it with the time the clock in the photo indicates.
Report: 4h13
